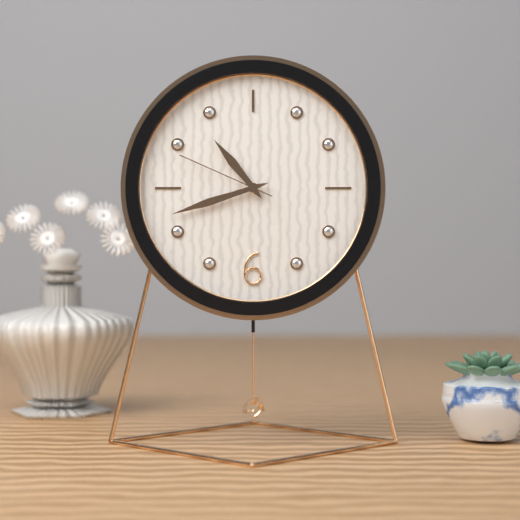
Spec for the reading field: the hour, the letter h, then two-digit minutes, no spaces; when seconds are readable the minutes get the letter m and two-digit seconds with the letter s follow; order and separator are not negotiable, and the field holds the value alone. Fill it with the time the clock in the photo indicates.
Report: 10h42m49s
